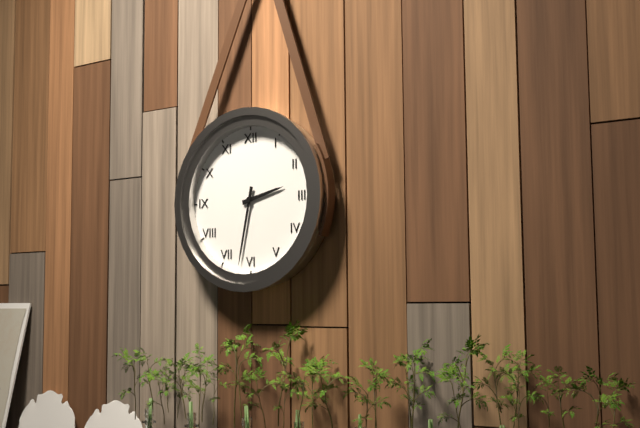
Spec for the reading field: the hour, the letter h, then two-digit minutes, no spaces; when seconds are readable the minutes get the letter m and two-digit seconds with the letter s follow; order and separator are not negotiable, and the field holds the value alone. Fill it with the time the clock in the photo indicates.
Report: 2h32
